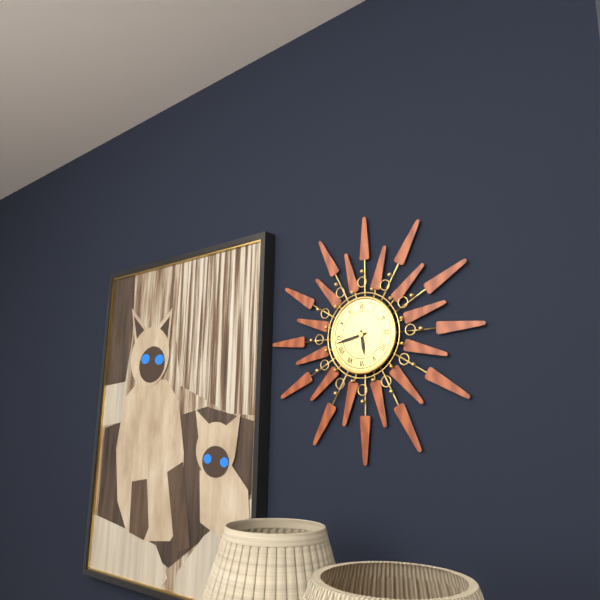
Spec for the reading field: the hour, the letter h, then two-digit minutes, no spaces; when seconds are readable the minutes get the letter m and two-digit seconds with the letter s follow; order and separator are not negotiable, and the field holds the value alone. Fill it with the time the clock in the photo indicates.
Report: 5h43
